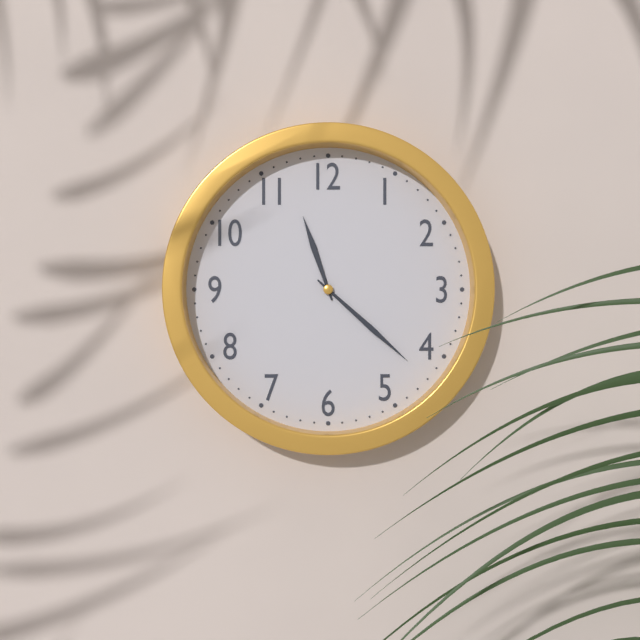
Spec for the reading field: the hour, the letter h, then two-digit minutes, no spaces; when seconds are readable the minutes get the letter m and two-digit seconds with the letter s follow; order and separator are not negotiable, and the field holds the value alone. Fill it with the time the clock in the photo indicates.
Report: 11h22
